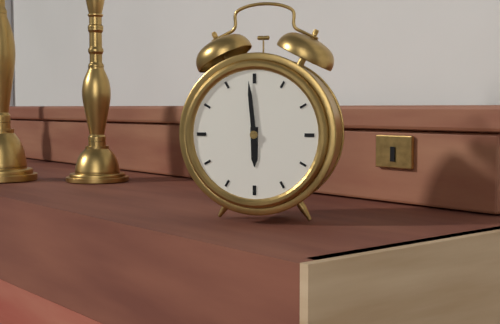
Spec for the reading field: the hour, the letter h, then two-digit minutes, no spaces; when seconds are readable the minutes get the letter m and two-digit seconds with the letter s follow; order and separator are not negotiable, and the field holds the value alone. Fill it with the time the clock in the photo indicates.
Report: 5h59
